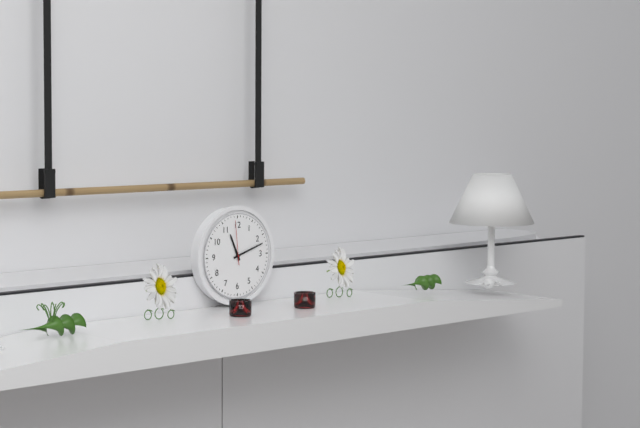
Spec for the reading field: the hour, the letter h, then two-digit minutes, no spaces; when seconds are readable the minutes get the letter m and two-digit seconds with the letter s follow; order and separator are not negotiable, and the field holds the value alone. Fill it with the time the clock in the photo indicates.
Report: 11h12
